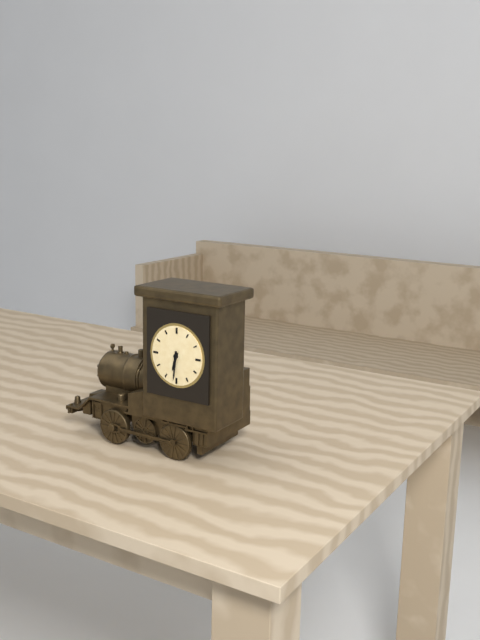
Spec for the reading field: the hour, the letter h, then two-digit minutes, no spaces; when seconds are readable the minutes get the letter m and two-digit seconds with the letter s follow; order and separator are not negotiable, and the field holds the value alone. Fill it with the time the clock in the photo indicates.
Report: 6h31
